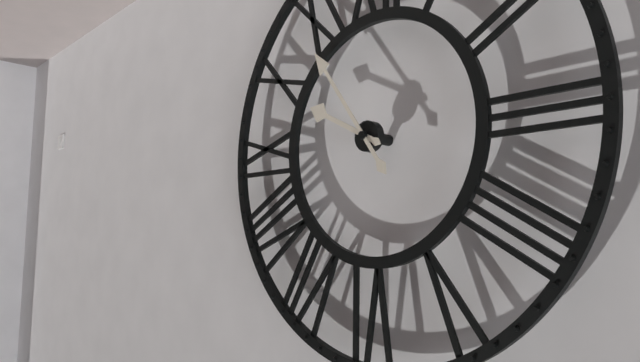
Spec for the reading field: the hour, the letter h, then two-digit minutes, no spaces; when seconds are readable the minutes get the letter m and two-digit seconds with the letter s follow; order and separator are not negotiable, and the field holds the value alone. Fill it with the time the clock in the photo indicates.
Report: 9h54
